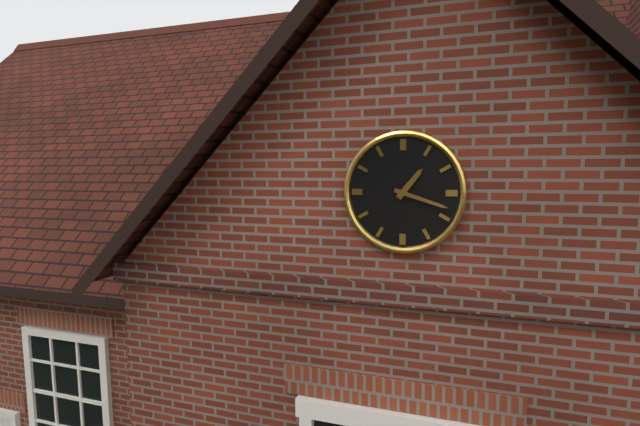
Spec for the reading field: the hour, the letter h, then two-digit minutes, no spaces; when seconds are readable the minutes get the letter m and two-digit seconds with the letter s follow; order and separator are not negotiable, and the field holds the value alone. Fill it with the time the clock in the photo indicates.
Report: 1h18
